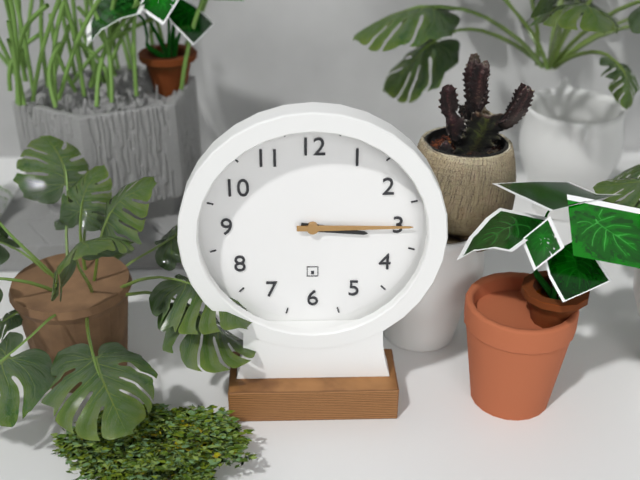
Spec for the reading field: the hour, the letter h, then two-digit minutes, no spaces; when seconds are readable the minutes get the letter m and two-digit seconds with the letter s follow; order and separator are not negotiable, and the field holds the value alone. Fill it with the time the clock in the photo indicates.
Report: 3h15
